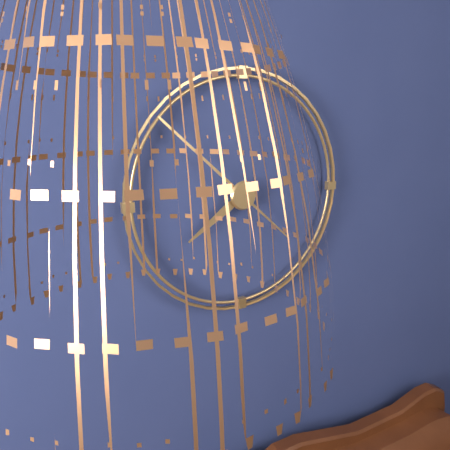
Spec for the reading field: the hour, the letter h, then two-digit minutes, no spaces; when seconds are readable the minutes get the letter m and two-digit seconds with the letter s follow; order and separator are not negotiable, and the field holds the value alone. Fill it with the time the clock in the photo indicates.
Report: 7h52
